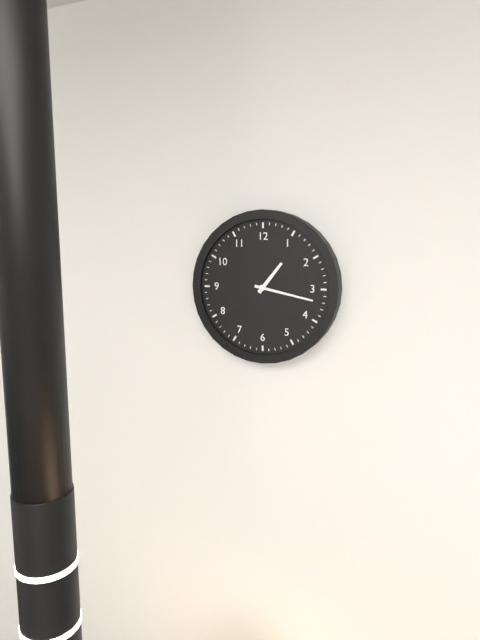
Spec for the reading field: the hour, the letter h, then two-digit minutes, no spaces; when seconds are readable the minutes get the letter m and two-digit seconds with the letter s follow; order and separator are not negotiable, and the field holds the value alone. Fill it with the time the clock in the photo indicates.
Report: 1h17
